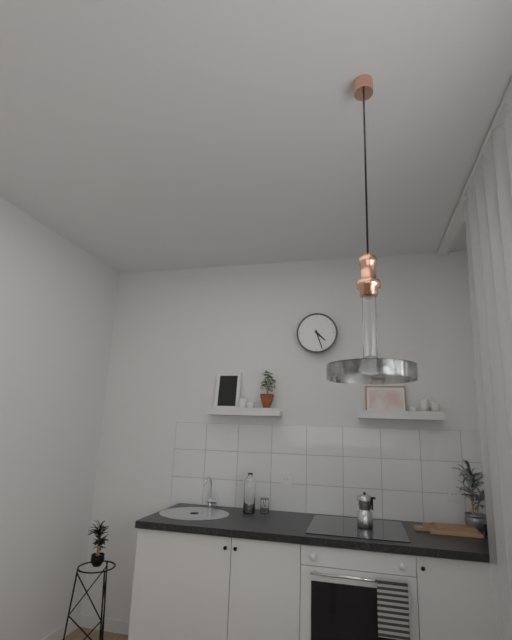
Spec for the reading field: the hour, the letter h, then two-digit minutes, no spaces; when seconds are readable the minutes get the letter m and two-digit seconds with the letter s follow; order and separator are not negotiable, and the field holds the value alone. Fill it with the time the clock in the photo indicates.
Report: 4h27
